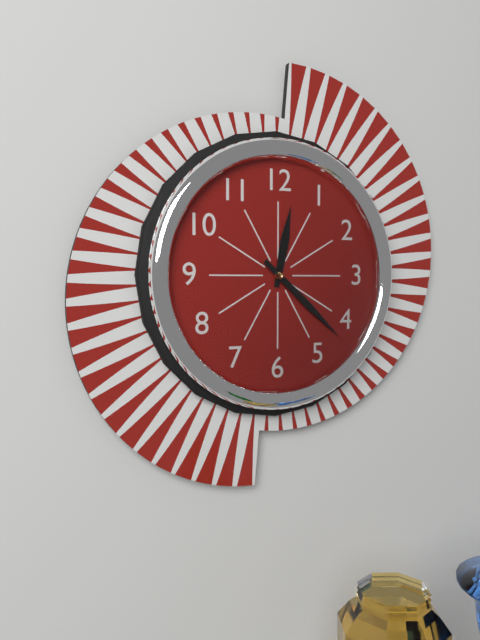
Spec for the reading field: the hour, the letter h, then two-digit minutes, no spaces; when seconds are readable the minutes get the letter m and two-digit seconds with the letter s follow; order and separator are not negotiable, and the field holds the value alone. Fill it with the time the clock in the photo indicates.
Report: 12h22
